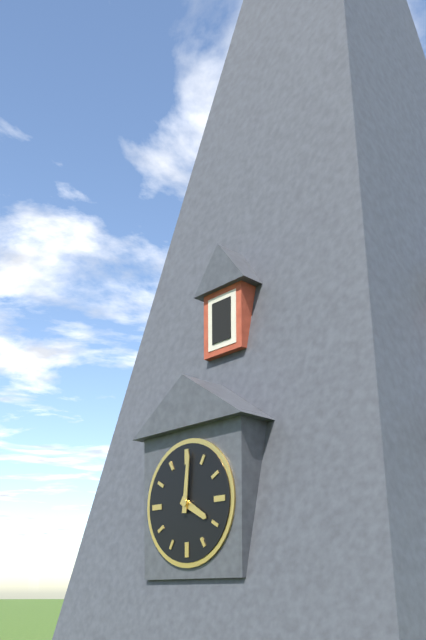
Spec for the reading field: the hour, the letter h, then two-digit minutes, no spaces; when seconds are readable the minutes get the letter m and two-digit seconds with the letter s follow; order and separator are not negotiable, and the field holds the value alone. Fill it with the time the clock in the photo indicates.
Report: 4h01
